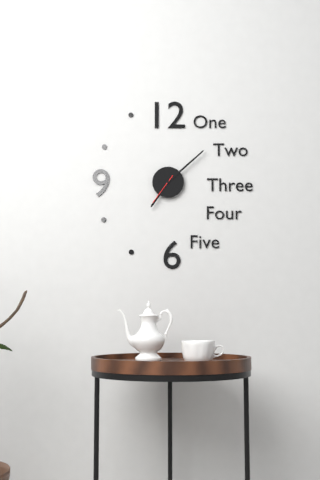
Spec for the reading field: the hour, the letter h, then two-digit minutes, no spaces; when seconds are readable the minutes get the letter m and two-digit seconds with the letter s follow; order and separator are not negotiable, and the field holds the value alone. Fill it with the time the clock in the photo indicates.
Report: 7h08
